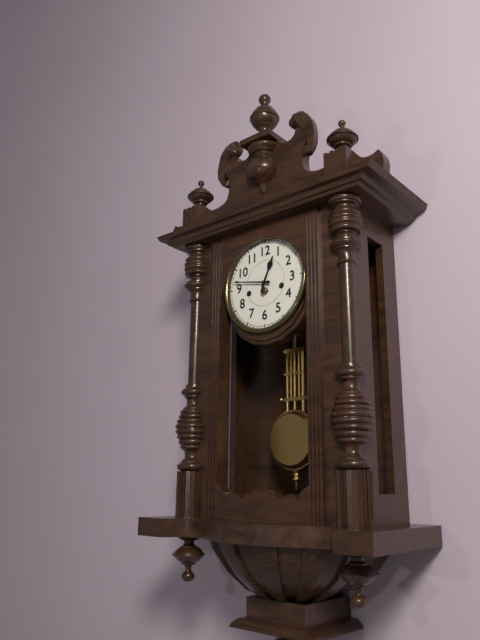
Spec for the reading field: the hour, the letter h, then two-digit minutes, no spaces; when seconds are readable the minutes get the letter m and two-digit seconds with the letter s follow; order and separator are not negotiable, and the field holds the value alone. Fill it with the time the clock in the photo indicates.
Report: 12h47
